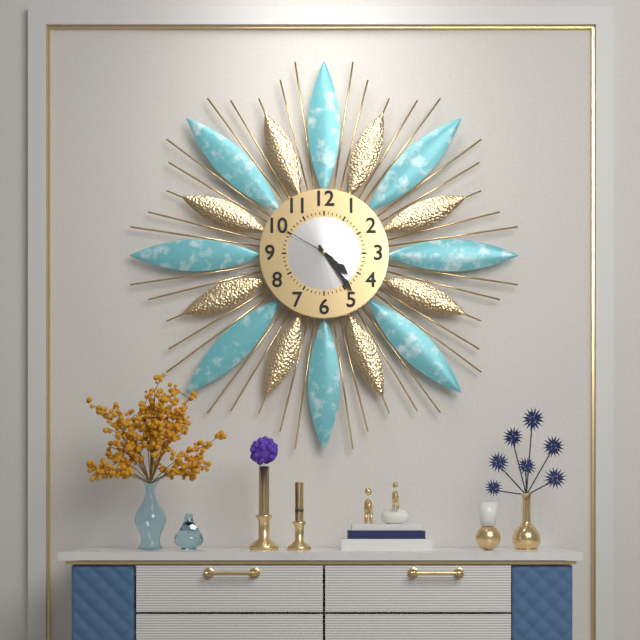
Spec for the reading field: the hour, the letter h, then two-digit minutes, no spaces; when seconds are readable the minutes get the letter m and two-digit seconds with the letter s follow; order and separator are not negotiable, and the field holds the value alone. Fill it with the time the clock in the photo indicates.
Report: 4h24m50s
